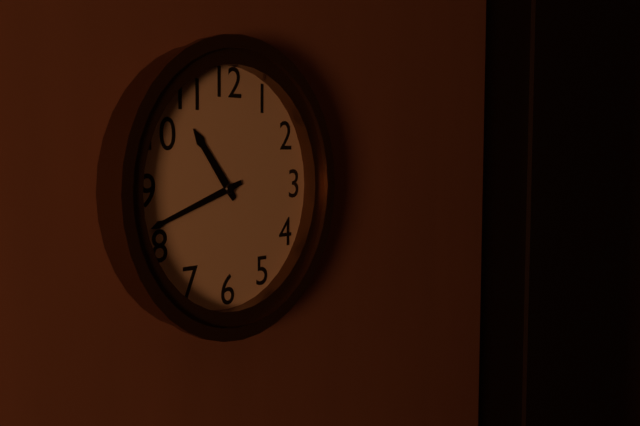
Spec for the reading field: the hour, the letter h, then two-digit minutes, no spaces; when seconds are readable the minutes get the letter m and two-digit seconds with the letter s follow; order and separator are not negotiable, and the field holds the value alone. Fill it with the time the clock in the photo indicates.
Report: 10h42
